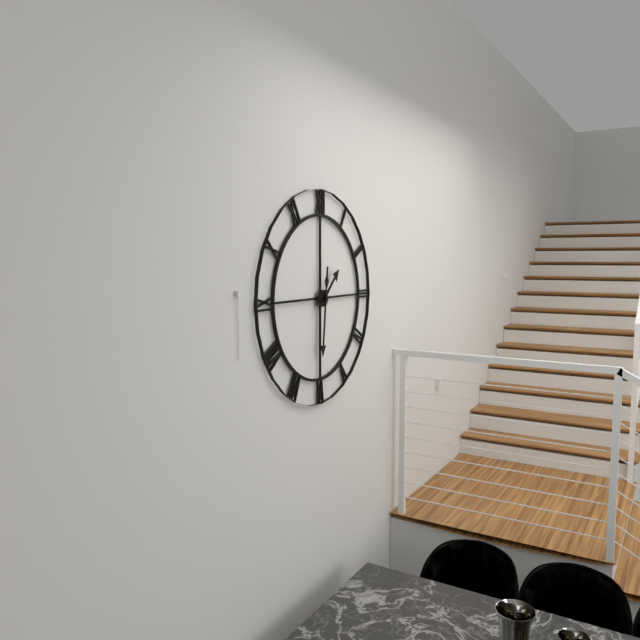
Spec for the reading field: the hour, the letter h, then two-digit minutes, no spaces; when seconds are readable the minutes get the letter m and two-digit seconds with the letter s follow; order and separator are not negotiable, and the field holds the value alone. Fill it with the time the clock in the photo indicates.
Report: 1h31
